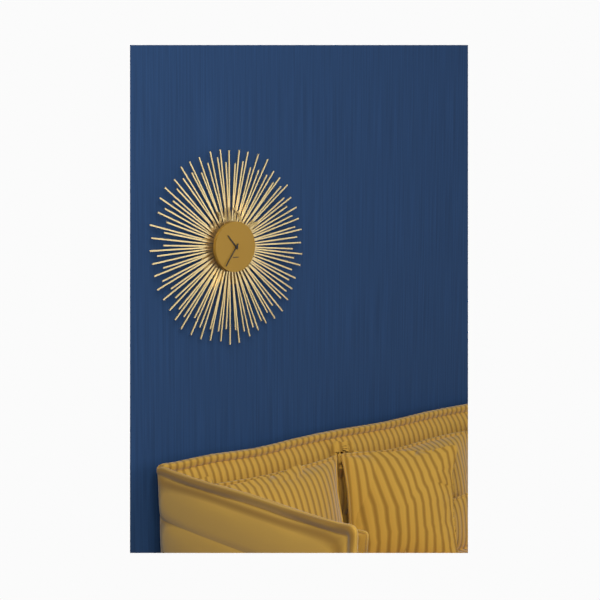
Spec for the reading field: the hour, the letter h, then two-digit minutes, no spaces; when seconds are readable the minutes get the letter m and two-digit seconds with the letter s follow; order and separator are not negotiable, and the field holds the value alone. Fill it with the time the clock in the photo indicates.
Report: 10h36
